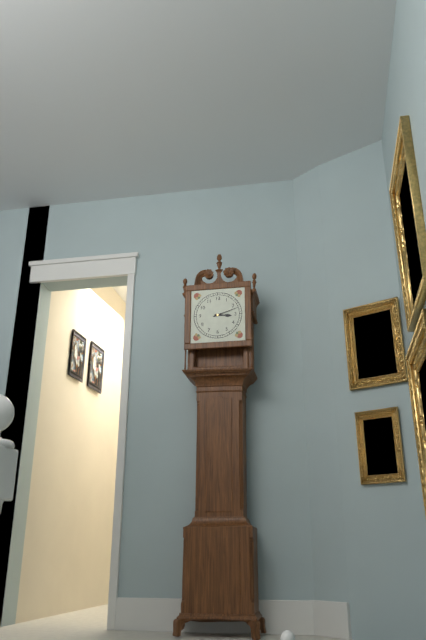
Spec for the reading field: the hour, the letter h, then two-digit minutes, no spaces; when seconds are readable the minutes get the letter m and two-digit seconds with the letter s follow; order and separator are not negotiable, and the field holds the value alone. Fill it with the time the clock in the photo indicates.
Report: 3h12
